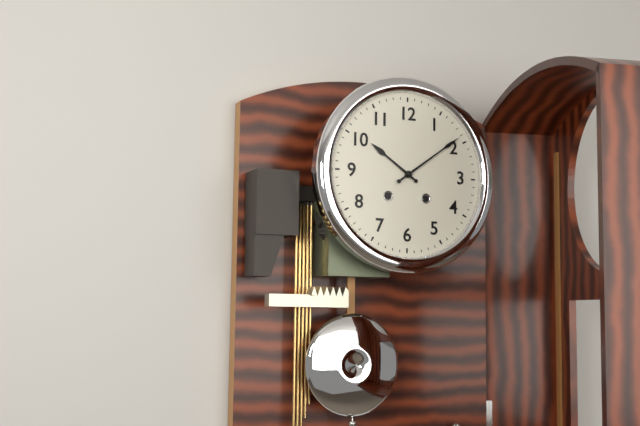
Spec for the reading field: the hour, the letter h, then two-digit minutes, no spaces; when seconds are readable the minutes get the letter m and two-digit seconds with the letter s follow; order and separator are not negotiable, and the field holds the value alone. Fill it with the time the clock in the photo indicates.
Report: 10h09
